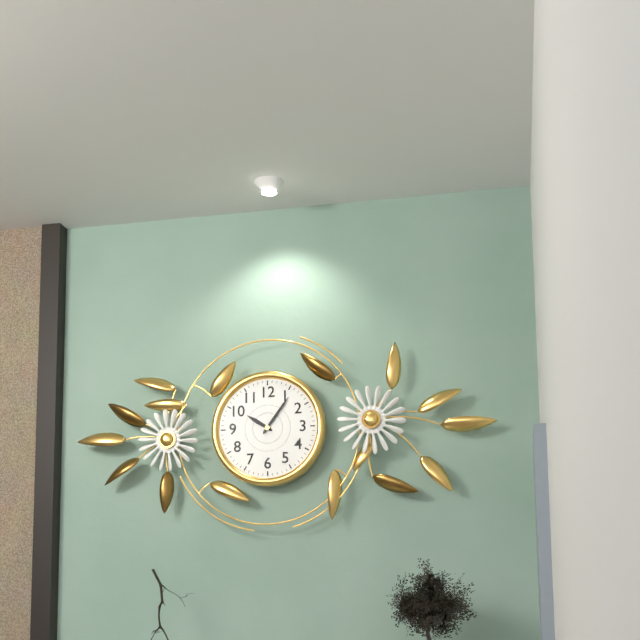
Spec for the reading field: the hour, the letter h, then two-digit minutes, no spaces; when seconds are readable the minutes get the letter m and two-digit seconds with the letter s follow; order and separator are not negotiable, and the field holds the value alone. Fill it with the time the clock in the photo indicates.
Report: 10h06
